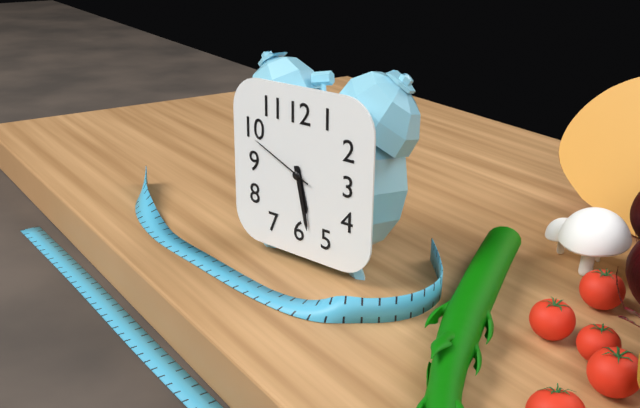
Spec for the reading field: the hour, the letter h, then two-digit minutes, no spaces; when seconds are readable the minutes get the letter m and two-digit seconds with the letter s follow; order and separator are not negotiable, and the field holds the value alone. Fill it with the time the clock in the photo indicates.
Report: 5h28m49s
